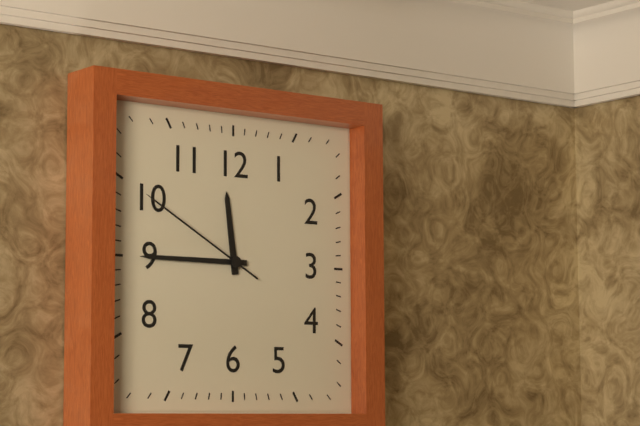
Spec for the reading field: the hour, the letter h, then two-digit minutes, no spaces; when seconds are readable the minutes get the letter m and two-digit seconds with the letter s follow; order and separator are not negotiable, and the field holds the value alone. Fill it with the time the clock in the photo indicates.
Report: 11h45m50s
